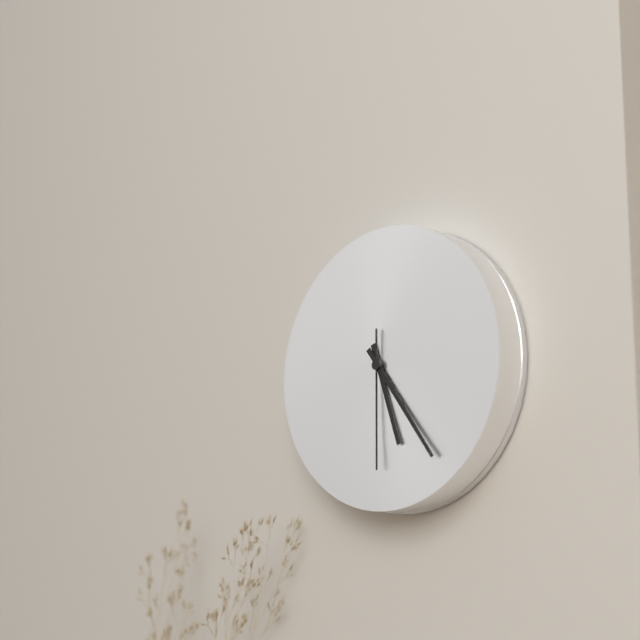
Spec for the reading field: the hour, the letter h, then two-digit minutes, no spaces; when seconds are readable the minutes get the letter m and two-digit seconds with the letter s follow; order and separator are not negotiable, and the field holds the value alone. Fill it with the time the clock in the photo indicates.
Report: 5h24m30s
